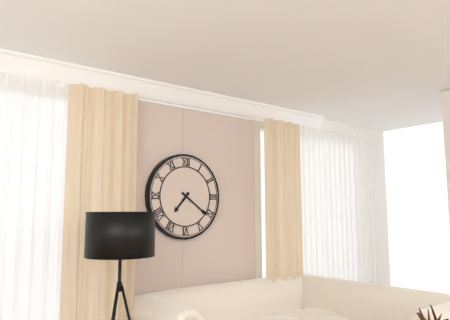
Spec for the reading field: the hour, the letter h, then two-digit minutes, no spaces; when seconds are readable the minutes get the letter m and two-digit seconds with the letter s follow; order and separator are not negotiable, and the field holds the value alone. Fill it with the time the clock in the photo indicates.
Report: 7h21
